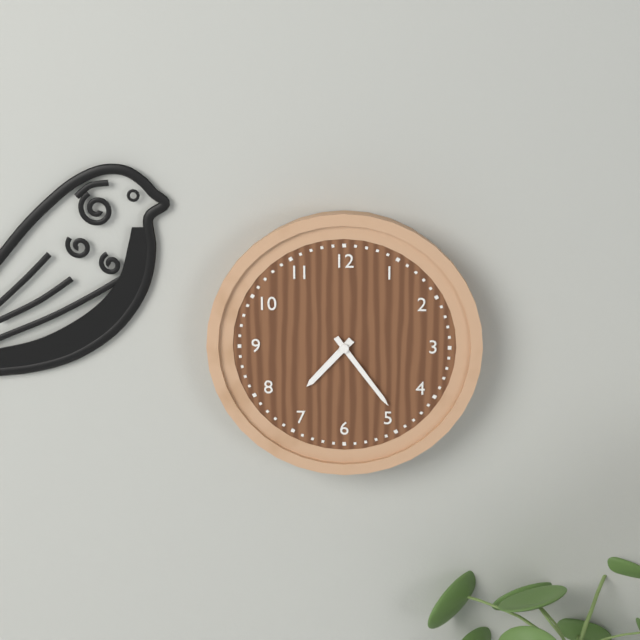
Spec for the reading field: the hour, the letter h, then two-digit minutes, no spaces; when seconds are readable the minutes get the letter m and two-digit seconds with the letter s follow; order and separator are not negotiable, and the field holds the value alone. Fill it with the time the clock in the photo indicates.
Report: 7h24
